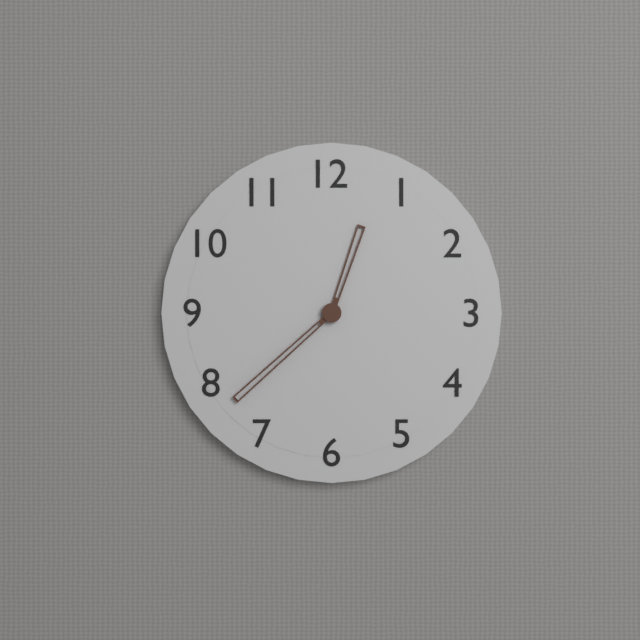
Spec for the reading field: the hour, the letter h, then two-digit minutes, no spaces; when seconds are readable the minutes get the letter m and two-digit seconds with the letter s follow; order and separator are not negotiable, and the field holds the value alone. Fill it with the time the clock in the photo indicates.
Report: 12h38
